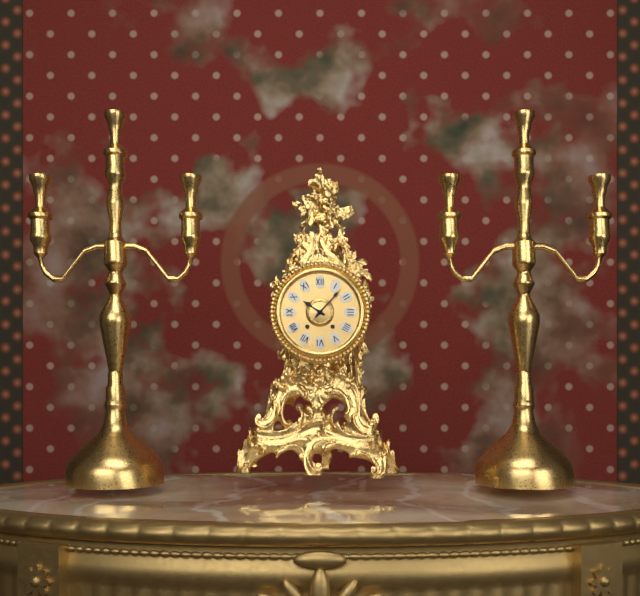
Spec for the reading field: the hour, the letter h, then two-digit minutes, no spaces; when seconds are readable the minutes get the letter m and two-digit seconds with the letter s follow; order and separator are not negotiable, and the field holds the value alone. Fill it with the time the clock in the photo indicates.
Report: 10h07
